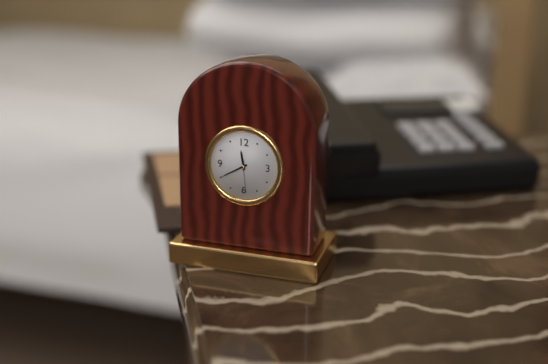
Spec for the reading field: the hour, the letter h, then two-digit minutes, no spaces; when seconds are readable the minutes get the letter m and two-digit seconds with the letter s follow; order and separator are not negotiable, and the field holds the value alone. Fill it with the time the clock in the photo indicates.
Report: 11h40
